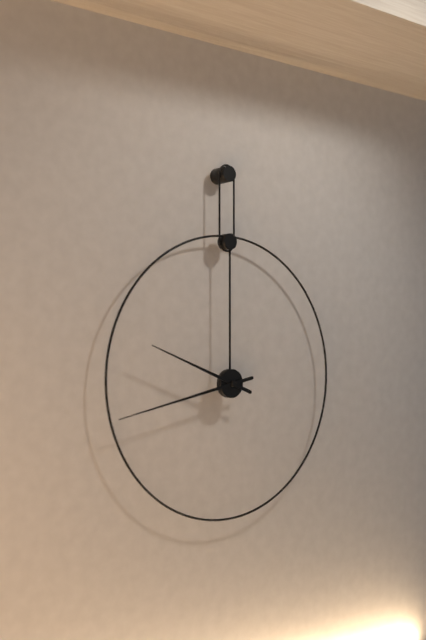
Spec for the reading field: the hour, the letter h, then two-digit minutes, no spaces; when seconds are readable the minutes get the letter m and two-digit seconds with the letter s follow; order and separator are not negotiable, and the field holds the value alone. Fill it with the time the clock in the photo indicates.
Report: 9h43
